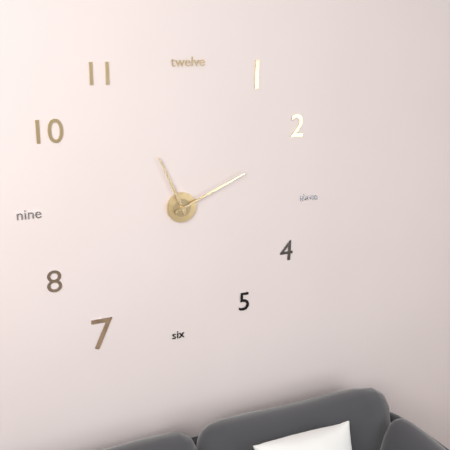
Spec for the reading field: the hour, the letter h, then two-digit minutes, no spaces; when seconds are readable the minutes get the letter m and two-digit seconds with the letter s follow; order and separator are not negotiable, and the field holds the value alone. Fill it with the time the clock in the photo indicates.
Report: 11h11
